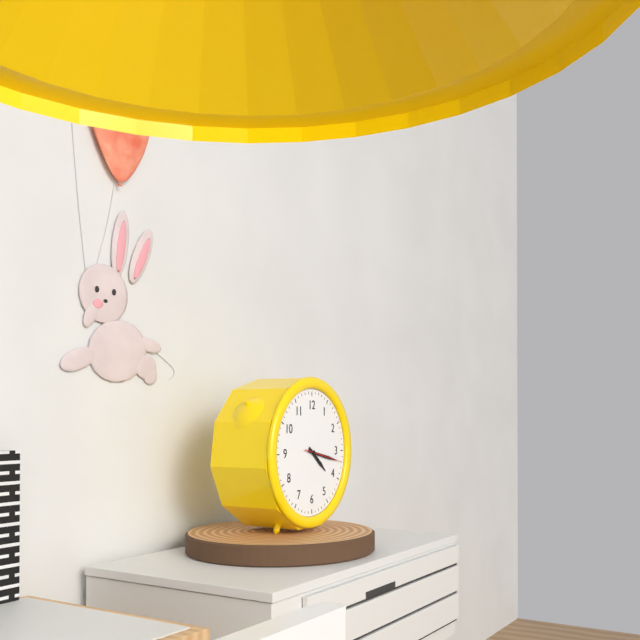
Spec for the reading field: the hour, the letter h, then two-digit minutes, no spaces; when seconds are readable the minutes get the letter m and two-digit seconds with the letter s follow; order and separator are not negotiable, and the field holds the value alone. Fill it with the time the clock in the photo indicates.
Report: 4h17
